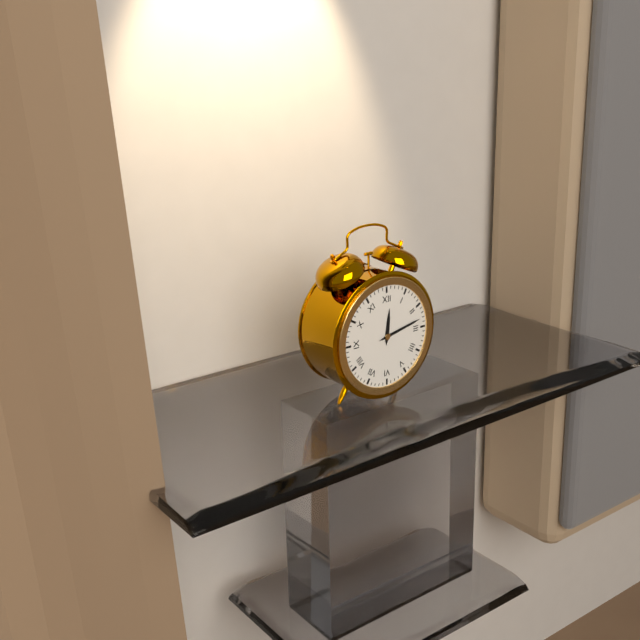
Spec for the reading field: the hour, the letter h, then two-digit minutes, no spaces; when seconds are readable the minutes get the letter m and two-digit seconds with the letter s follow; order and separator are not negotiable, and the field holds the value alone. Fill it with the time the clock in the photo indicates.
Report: 12h13
